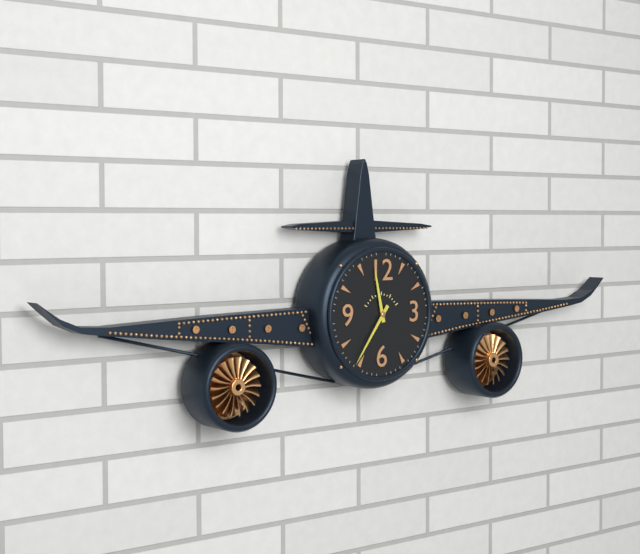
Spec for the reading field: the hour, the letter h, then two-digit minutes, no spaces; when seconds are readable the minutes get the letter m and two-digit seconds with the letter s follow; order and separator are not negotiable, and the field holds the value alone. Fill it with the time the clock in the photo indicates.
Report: 11h36
